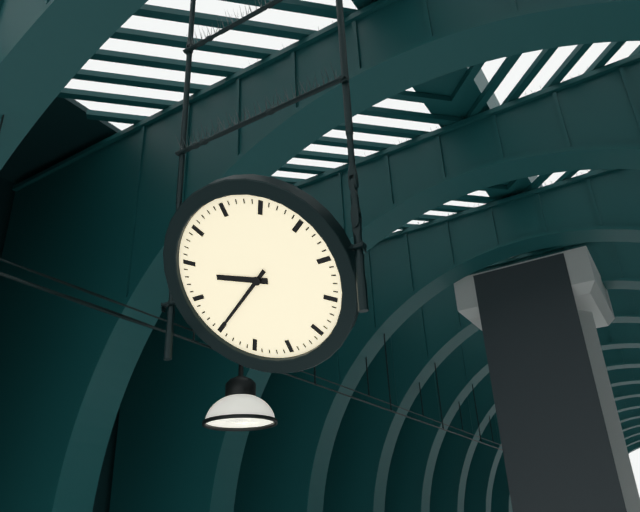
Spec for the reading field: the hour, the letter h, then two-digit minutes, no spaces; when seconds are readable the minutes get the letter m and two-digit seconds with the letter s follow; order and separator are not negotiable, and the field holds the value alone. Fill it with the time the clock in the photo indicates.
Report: 9h40
